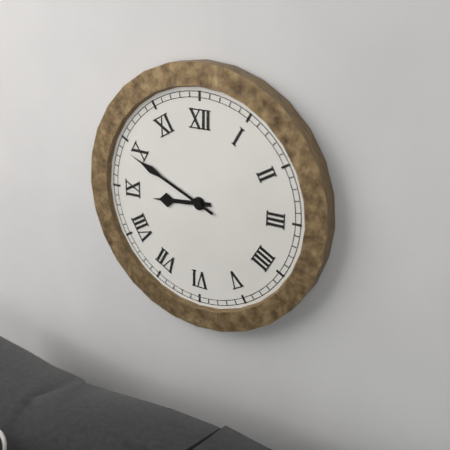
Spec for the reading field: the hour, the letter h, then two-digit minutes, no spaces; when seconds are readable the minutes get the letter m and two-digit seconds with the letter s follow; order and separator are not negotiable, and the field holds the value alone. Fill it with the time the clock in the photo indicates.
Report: 8h49
